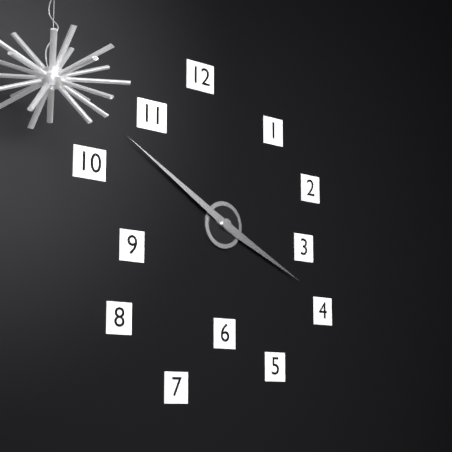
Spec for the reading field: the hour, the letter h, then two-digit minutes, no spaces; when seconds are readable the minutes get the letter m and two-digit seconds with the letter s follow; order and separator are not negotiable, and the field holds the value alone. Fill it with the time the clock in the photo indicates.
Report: 3h50
